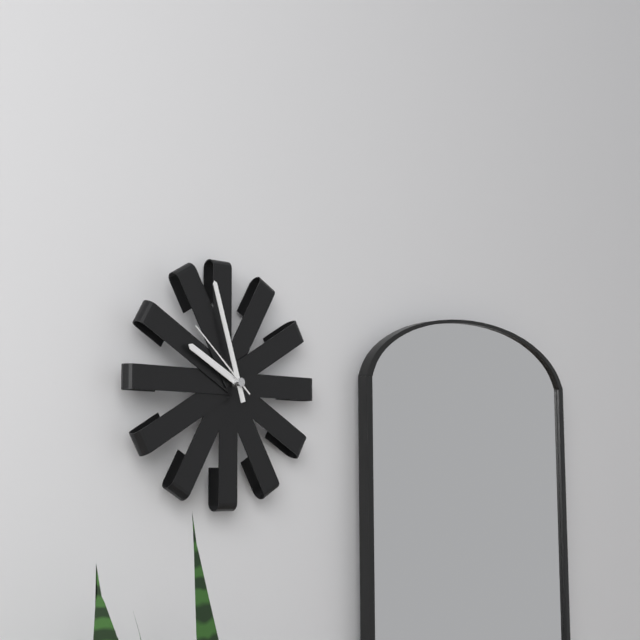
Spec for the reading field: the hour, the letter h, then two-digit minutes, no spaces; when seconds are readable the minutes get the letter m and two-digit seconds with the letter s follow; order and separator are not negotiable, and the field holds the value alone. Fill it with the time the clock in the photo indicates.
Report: 9h57m52s
